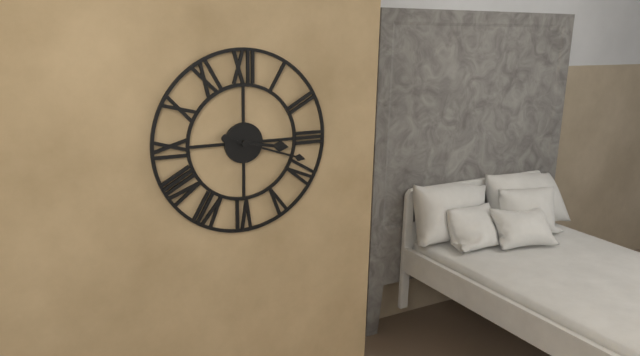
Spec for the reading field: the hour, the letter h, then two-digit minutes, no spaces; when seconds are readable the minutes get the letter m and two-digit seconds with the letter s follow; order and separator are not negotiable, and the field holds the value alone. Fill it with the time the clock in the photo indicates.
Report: 3h18
